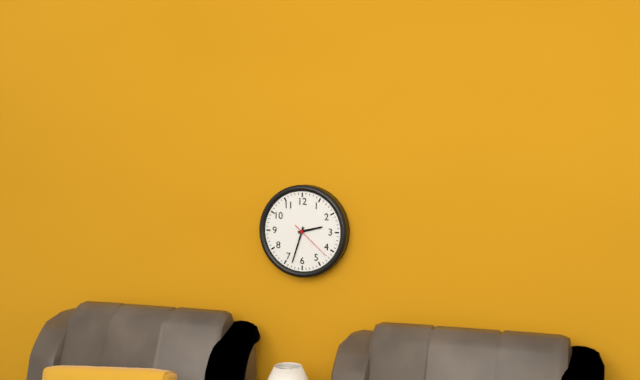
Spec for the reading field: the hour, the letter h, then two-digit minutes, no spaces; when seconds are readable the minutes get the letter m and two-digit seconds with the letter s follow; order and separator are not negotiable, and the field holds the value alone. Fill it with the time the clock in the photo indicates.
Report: 2h33
